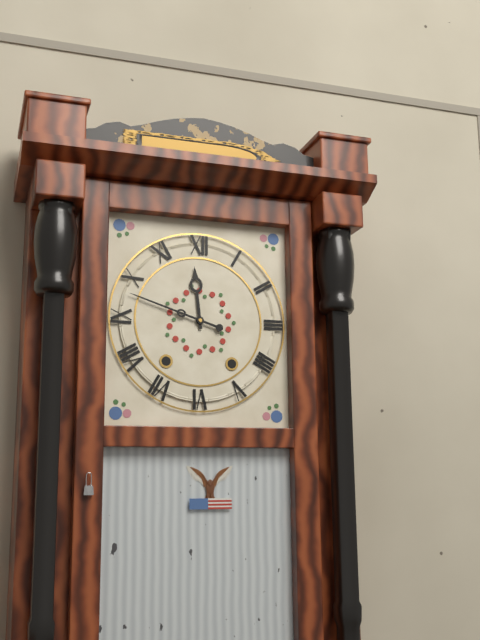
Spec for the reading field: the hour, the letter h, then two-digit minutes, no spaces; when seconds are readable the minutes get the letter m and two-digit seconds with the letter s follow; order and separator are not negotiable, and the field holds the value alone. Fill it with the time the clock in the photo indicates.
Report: 11h48
